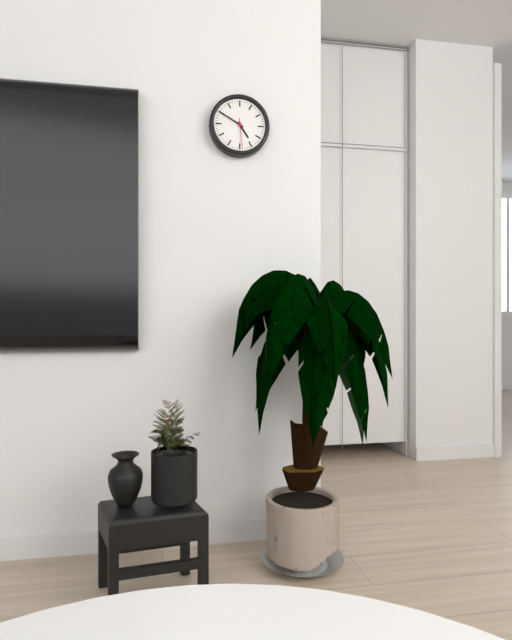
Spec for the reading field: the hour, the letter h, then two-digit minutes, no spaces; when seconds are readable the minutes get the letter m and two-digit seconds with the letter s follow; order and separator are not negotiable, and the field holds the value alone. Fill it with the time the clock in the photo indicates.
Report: 4h50
